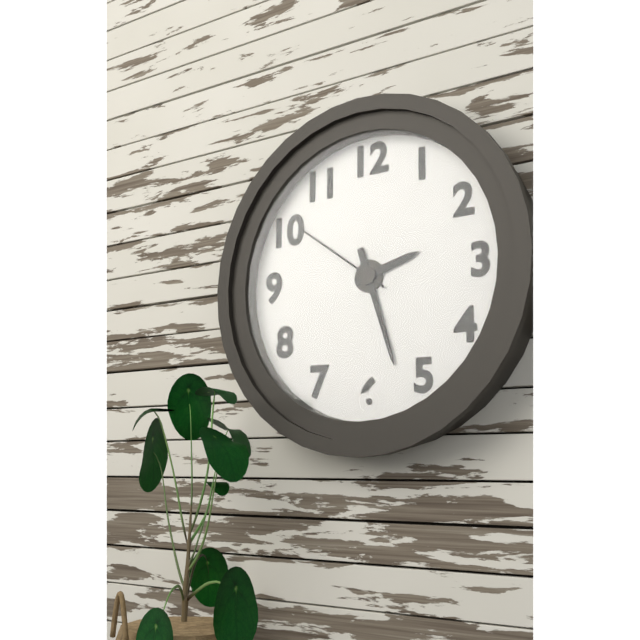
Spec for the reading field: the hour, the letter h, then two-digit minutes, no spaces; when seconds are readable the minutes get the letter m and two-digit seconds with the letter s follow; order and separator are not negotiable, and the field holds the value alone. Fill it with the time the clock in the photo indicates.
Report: 2h27m51s
